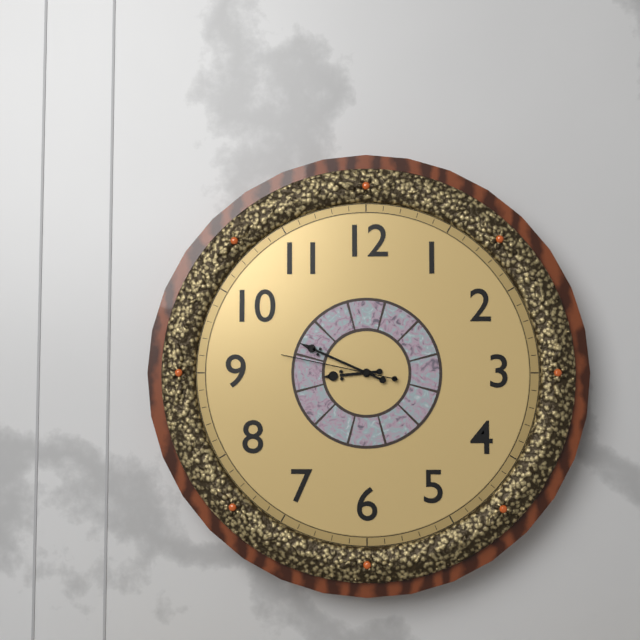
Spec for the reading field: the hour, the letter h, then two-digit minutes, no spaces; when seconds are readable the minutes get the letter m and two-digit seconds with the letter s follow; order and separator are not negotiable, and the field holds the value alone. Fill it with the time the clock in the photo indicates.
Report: 8h49m47s
